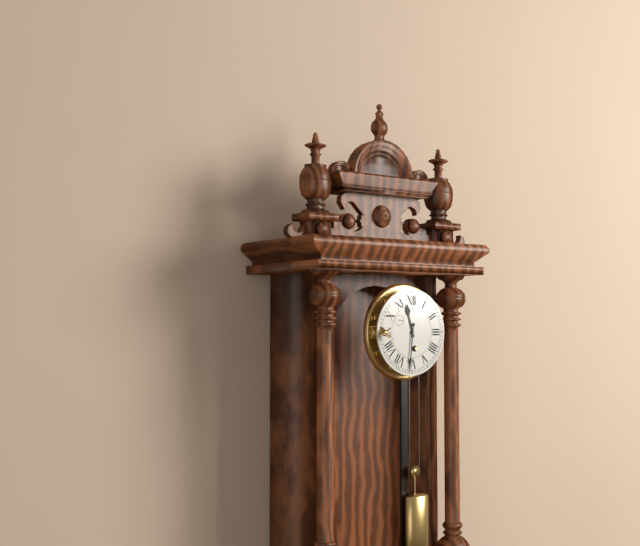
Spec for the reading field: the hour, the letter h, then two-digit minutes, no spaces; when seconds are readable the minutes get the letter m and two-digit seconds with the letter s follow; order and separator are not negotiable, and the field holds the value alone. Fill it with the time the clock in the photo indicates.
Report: 11h31
